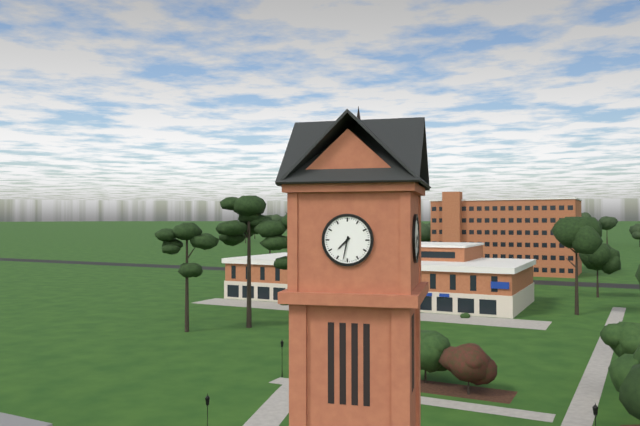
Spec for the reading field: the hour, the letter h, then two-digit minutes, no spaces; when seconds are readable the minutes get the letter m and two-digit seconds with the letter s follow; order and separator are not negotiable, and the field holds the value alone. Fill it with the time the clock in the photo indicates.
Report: 7h32
